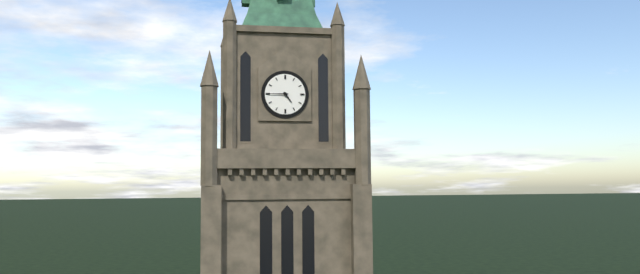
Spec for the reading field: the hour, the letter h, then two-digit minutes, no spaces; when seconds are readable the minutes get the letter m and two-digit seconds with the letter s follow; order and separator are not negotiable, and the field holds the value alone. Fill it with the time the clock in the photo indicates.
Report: 4h45
